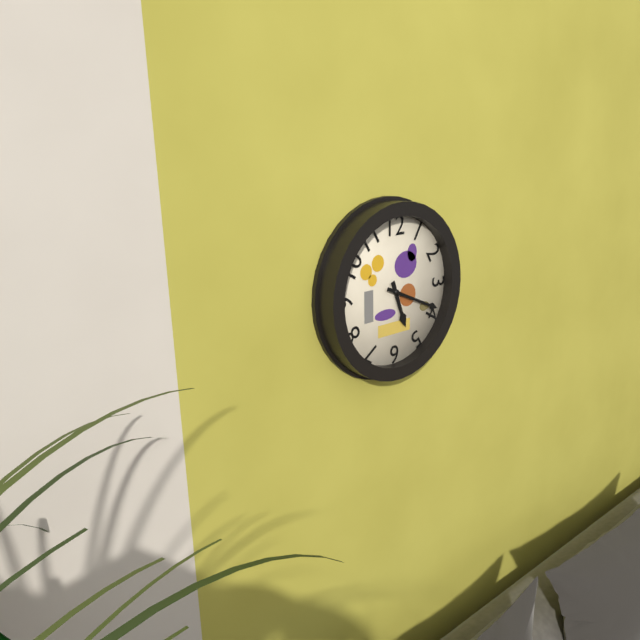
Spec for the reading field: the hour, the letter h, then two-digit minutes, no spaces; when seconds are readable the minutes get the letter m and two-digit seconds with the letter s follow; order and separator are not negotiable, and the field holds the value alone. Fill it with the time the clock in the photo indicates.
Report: 5h19
